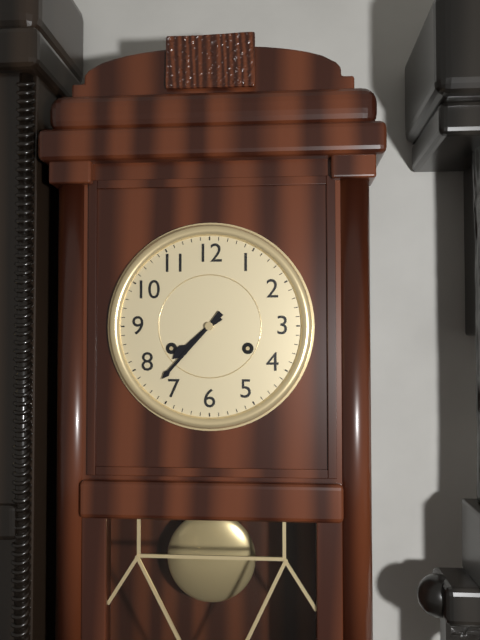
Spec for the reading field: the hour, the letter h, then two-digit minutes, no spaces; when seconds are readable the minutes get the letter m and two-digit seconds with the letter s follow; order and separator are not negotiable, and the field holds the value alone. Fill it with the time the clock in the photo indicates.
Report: 7h37
